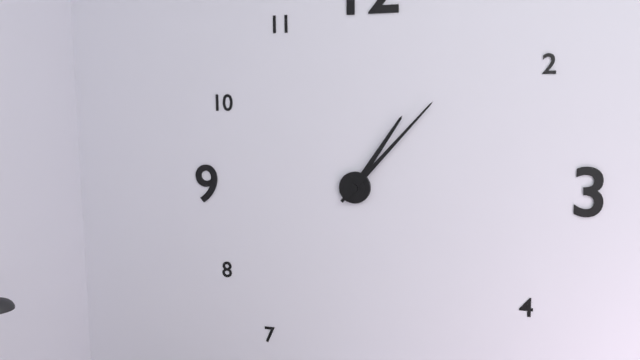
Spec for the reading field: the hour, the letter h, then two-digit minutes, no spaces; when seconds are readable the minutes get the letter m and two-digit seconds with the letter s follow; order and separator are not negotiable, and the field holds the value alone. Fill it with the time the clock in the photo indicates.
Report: 1h07
